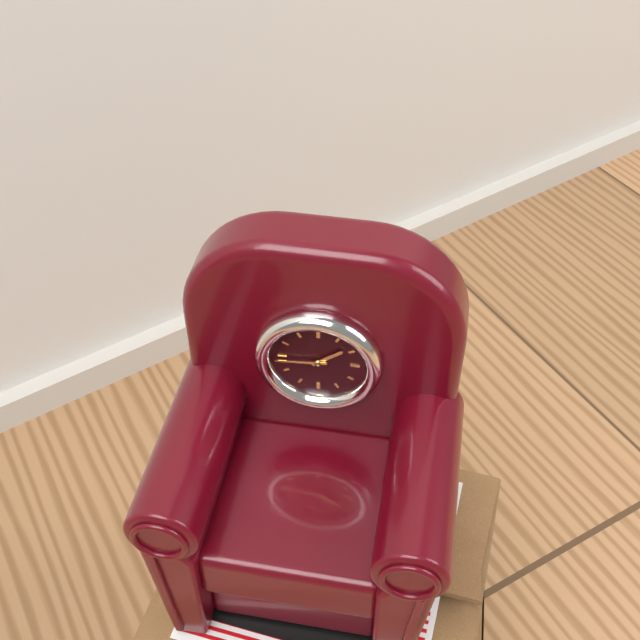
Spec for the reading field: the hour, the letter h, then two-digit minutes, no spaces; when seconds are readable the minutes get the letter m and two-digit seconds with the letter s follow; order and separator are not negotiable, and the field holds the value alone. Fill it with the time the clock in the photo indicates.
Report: 1h44
